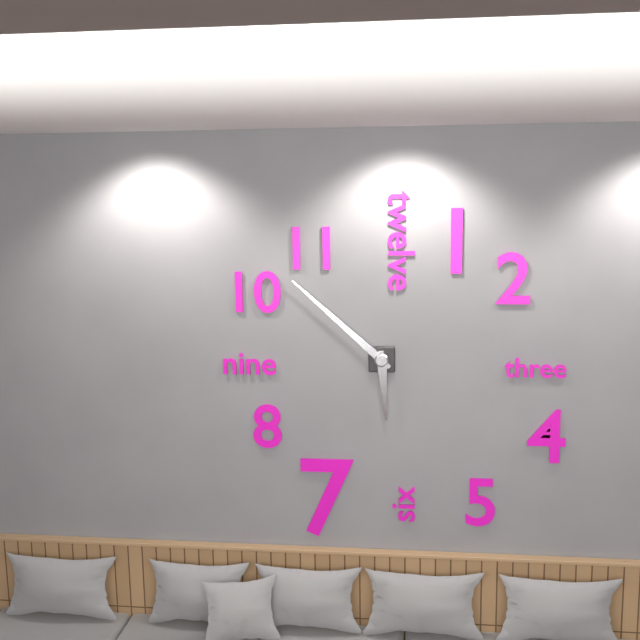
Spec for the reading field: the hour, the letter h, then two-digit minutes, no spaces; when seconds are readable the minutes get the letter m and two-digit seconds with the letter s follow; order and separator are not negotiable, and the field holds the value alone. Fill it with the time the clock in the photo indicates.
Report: 5h52
